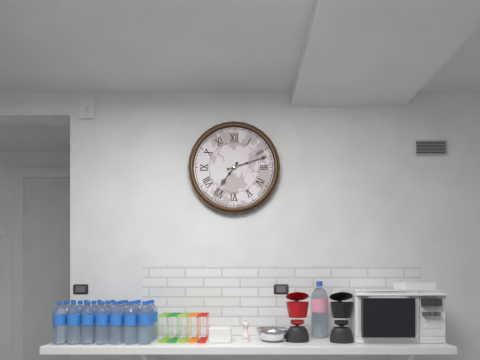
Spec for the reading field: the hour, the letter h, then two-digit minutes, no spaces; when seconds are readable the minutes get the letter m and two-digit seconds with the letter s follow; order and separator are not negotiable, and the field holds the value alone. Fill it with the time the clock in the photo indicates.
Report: 7h12
